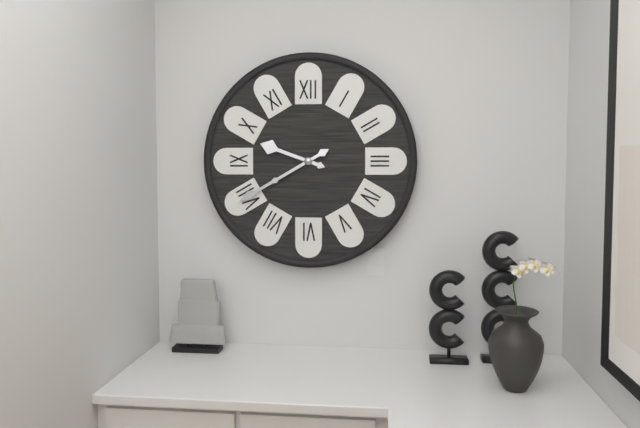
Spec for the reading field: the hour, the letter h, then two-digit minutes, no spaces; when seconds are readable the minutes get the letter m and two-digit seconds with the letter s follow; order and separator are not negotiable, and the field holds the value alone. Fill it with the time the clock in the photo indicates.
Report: 9h40
